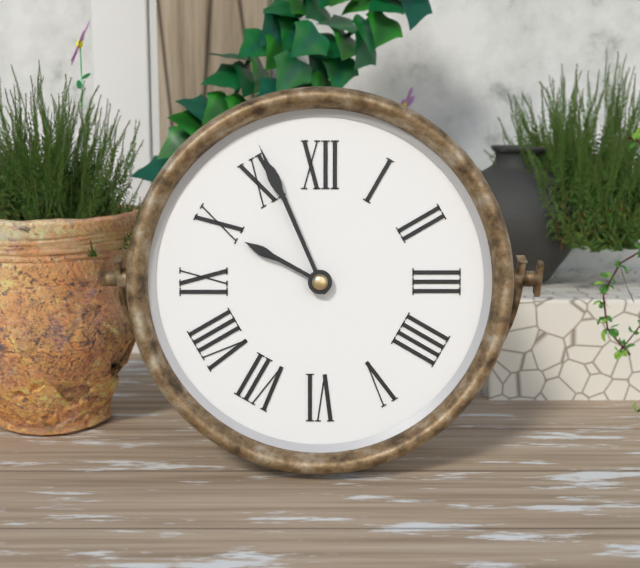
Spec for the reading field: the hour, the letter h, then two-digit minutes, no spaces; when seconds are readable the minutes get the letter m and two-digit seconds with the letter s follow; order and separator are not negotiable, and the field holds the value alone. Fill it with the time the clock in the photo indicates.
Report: 9h56
